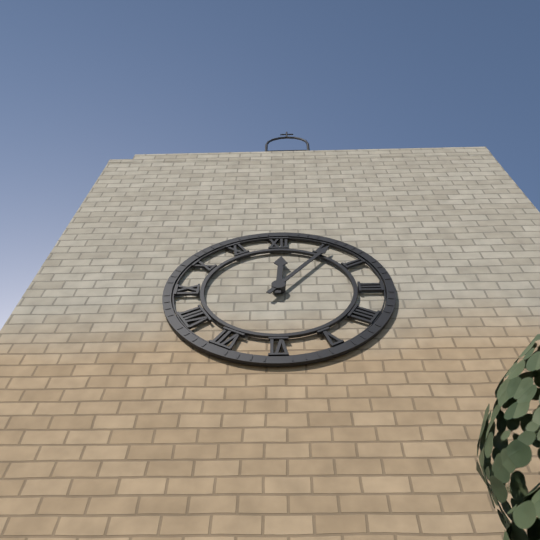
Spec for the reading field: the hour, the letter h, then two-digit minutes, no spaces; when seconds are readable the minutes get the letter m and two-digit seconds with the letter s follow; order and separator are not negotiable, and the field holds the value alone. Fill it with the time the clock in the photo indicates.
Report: 12h06
